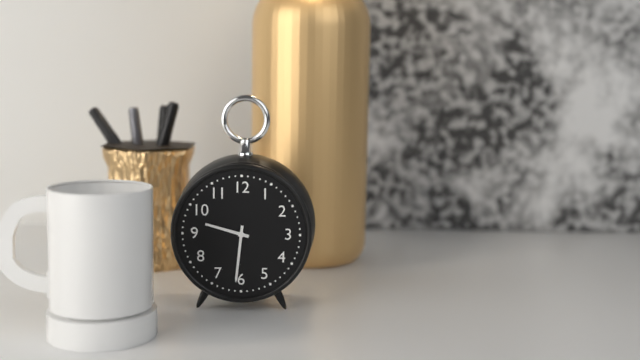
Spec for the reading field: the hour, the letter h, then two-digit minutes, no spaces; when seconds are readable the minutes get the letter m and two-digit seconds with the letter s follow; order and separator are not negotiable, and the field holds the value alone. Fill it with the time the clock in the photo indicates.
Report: 9h31
